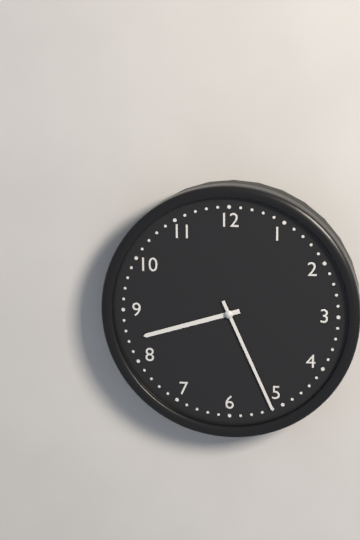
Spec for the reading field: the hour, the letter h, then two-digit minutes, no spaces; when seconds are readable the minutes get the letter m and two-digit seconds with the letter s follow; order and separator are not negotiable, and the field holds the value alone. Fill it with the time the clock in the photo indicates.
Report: 8h26
